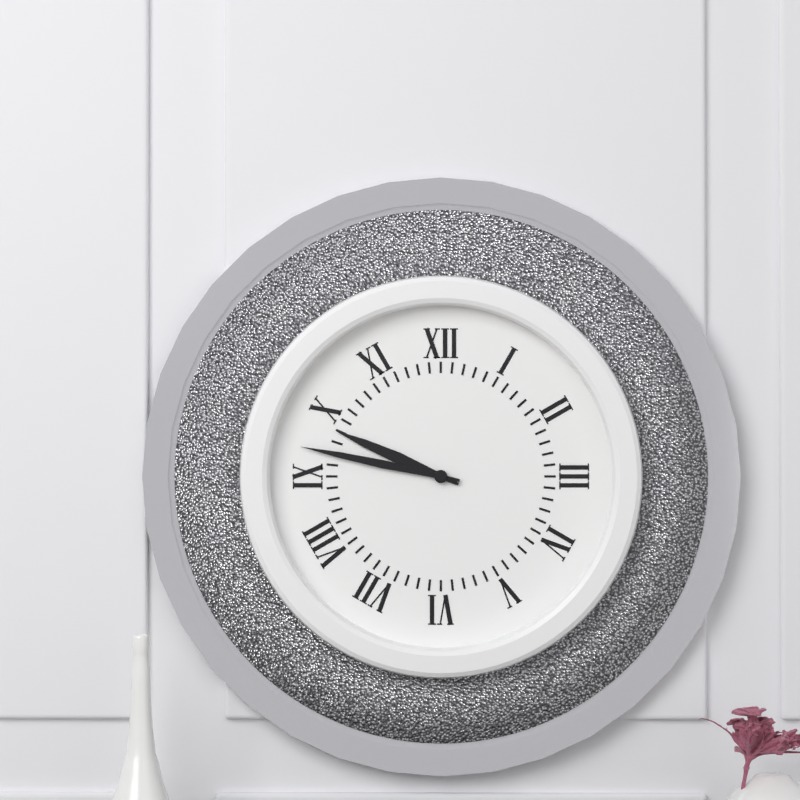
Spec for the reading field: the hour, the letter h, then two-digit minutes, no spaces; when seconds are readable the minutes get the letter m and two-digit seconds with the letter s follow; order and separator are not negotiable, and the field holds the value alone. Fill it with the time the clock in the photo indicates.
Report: 9h47
